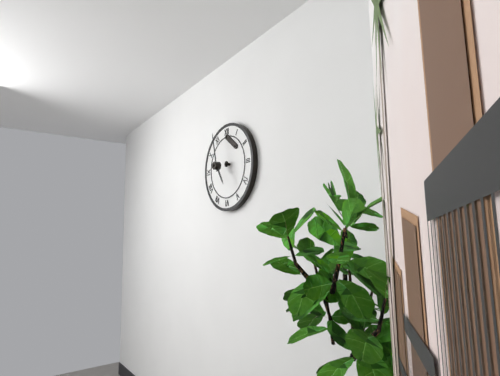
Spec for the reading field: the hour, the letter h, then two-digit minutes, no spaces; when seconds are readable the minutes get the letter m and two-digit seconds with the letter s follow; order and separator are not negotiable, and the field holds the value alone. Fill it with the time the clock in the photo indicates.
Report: 4h58
